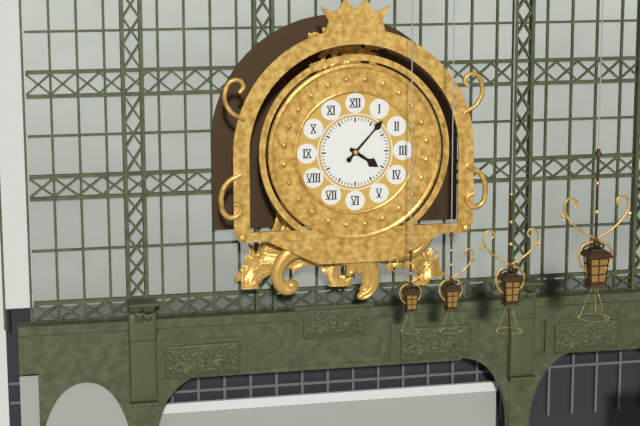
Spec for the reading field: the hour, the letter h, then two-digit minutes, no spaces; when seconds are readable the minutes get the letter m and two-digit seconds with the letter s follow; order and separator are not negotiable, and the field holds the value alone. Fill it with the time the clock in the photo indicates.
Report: 4h07
